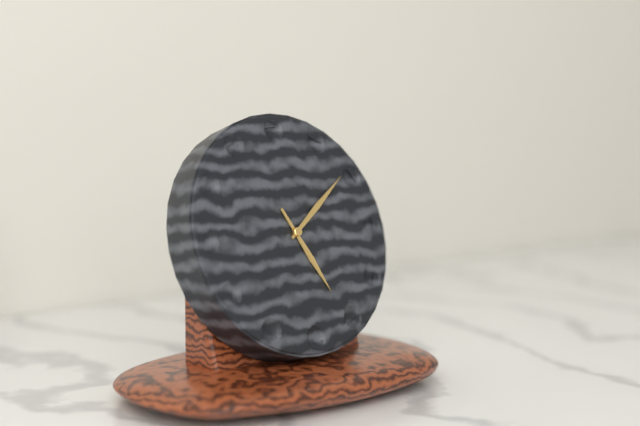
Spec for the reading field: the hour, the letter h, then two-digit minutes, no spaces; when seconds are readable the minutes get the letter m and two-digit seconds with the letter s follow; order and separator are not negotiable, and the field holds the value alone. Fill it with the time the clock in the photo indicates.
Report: 5h09
